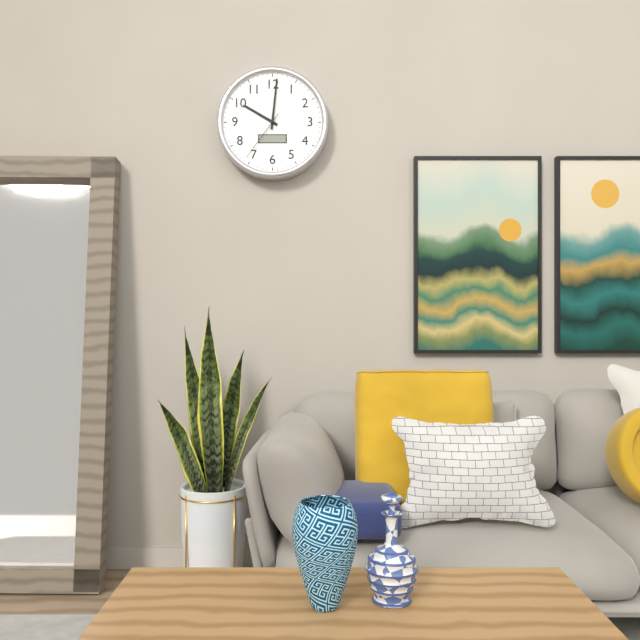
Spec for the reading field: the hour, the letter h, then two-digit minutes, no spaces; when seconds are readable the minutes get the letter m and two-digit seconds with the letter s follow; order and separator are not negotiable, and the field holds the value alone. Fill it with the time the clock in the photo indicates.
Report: 10h01m36s
